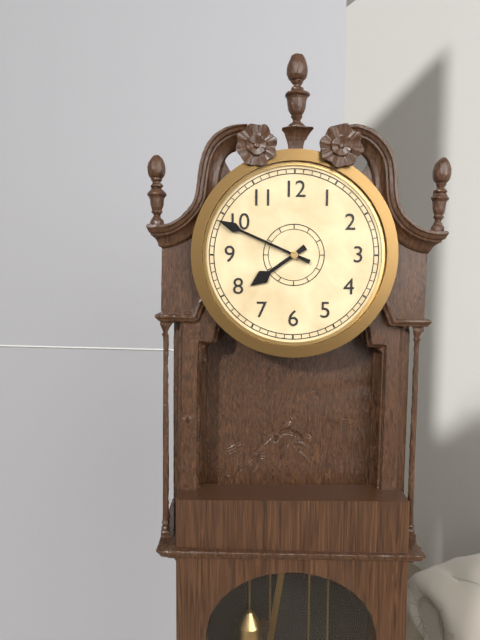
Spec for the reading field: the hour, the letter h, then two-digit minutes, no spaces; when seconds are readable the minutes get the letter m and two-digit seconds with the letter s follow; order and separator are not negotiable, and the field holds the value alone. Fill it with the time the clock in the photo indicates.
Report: 7h49
